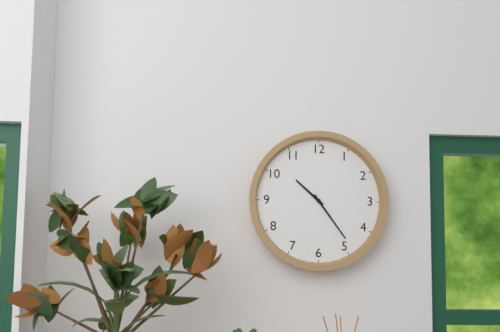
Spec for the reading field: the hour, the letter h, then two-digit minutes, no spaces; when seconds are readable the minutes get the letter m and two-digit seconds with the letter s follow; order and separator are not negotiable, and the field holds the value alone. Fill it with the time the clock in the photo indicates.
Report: 10h24
